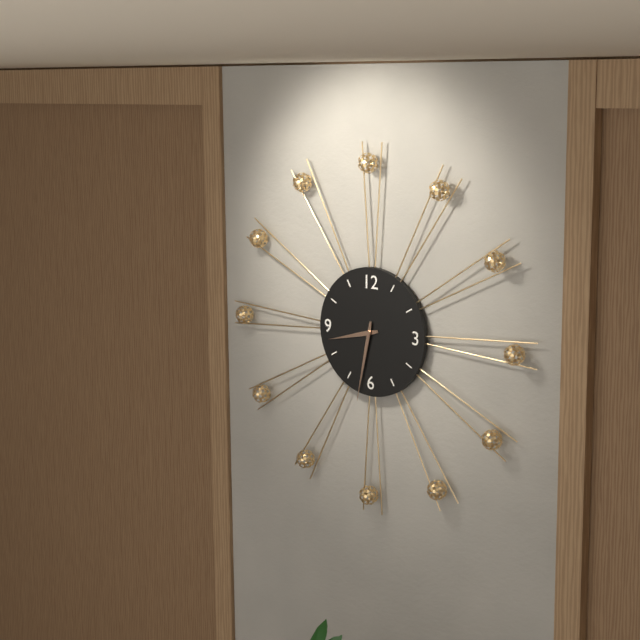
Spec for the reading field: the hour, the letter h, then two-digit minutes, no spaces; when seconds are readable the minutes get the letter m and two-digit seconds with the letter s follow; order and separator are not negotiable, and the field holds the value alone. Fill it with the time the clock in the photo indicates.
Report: 8h32
